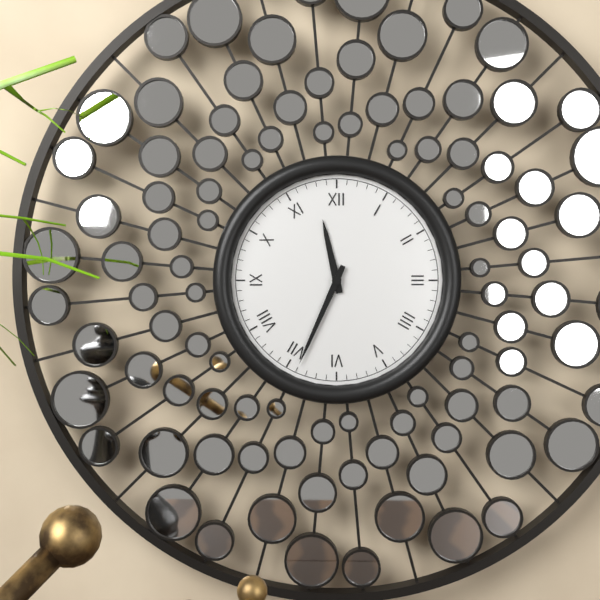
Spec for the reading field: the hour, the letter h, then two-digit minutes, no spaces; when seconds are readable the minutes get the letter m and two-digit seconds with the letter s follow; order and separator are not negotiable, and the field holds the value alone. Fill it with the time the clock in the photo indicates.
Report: 11h34
